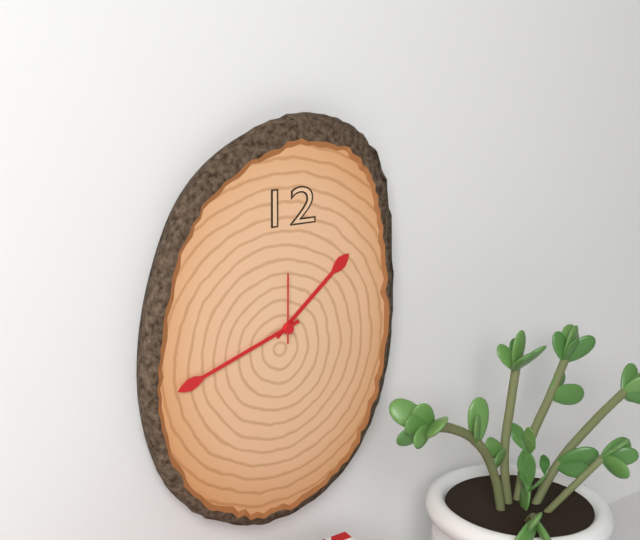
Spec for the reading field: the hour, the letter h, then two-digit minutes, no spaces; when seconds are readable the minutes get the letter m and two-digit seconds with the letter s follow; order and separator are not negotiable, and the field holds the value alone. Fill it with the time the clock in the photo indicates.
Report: 1h42m00s
